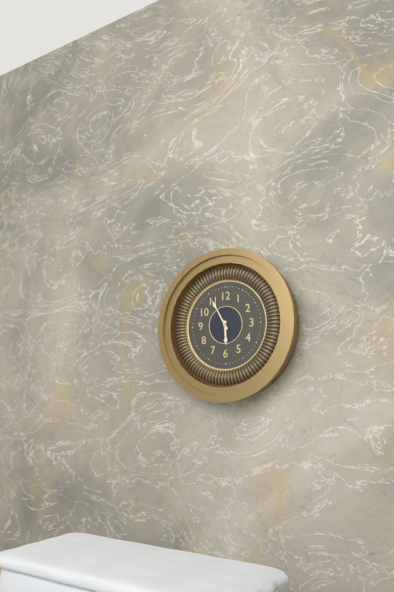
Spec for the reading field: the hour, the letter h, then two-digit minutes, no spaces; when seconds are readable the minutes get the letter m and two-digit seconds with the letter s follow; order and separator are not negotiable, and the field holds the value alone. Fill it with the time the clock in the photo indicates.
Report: 5h55
